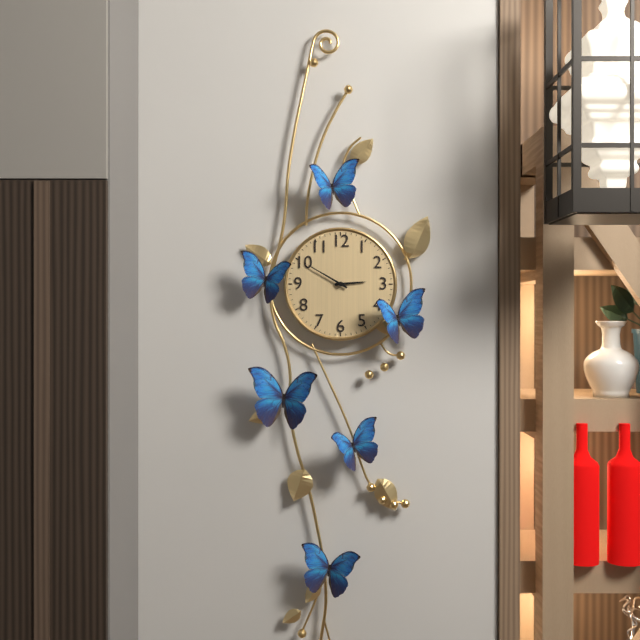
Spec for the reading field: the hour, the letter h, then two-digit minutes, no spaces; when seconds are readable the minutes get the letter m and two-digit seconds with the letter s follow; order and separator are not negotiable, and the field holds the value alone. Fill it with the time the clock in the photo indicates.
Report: 2h50
